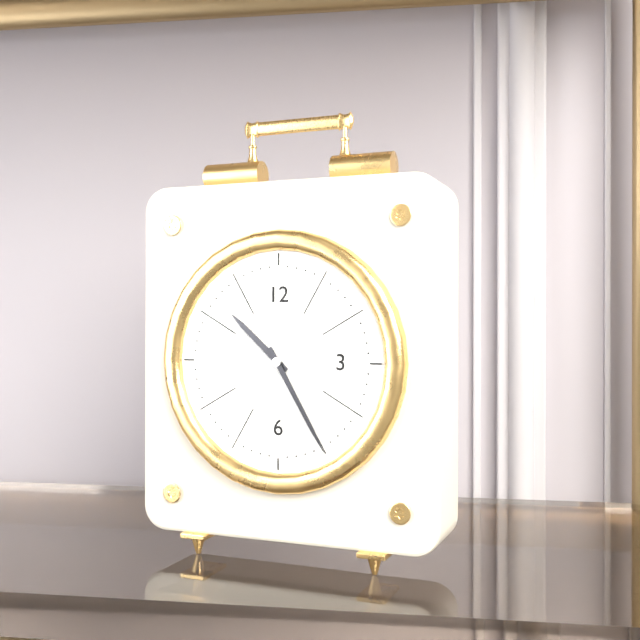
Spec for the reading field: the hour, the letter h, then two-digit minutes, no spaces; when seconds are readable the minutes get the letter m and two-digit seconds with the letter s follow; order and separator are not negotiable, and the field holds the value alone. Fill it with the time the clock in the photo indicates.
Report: 10h25
